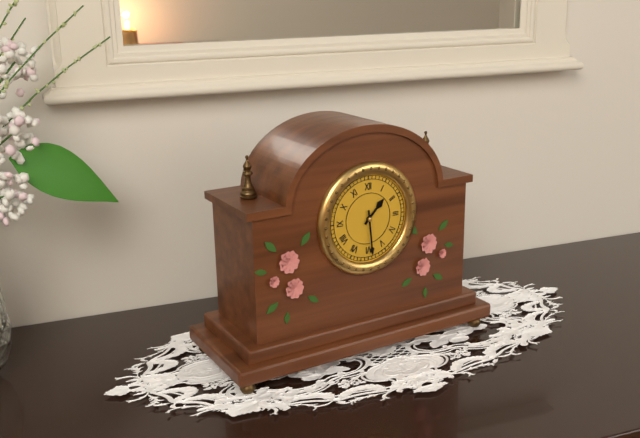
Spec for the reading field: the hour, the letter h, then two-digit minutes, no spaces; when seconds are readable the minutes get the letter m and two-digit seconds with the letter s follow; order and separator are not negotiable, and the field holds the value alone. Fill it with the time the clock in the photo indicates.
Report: 1h29
